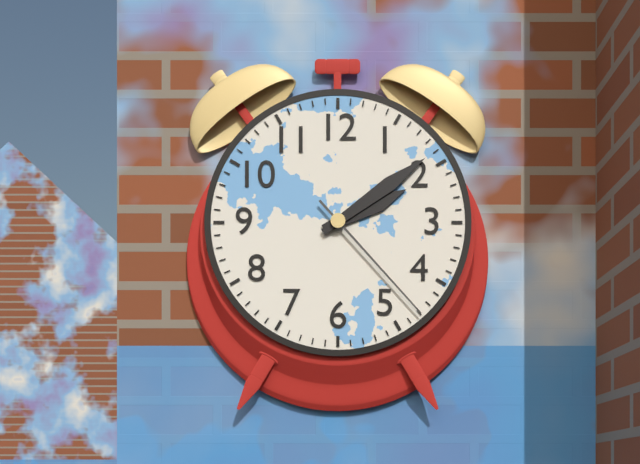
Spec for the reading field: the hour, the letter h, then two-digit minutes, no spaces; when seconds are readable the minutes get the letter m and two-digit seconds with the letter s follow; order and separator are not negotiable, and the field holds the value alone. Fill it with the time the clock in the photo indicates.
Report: 2h09m23s
